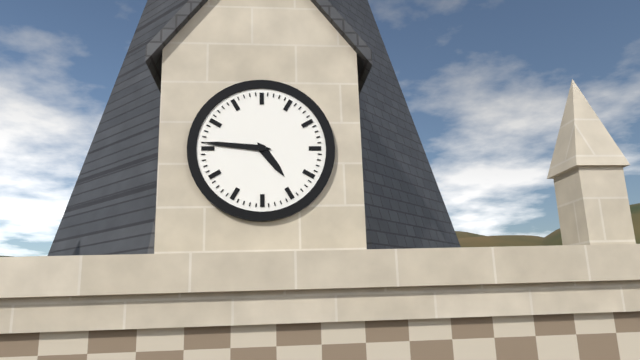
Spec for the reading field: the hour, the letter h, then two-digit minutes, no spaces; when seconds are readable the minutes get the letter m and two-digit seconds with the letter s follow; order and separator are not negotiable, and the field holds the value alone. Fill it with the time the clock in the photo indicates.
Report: 4h46
